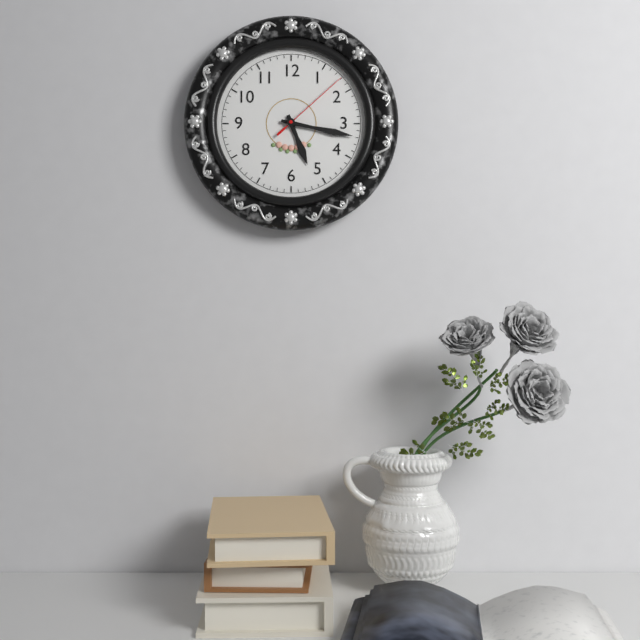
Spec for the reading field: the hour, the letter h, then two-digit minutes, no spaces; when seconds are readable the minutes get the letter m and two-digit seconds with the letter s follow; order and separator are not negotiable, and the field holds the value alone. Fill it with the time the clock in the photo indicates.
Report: 5h17m08s
